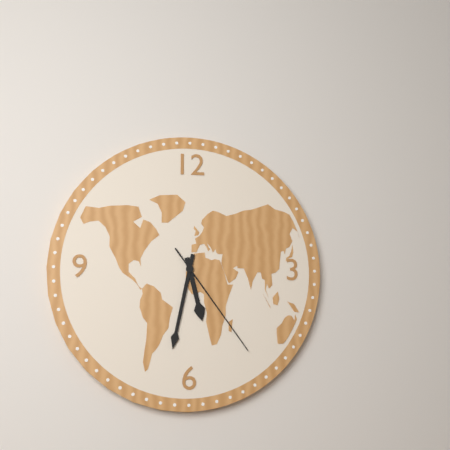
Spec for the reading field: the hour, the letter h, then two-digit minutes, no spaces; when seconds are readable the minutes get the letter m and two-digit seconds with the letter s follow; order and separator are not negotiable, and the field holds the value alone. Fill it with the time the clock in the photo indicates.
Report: 5h32m24s
